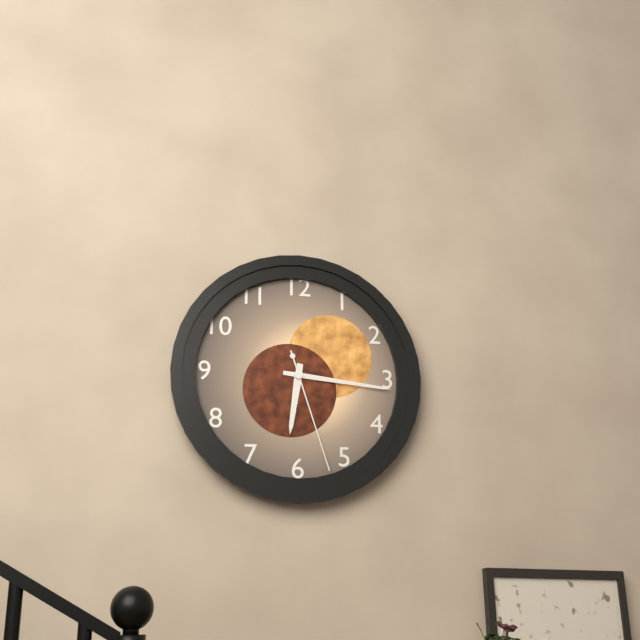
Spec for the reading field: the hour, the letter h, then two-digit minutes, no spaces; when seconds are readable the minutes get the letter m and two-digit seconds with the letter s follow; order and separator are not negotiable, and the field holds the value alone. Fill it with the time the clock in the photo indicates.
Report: 6h16m27s
